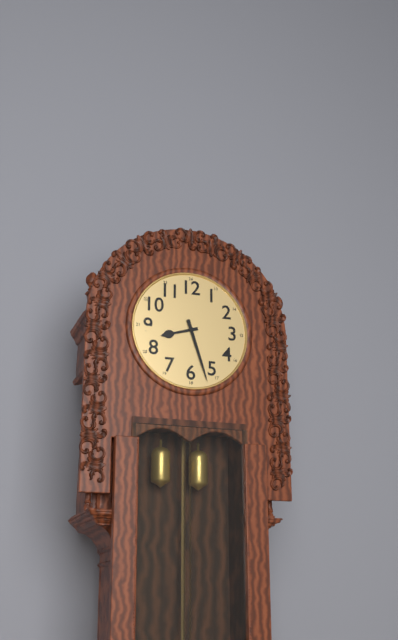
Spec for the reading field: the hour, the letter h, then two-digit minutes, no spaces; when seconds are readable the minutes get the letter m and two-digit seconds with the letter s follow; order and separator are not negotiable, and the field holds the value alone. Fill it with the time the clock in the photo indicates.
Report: 8h27
